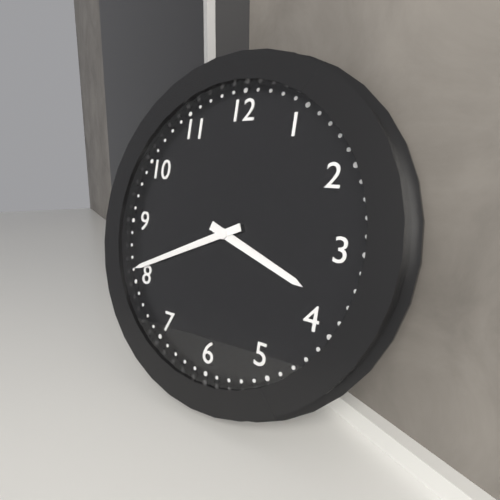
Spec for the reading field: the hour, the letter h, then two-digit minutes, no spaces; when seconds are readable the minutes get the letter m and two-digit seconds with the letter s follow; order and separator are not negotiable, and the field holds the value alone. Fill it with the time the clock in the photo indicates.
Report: 3h41
